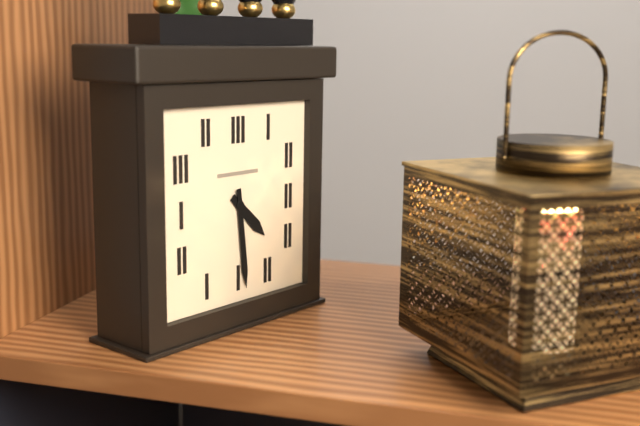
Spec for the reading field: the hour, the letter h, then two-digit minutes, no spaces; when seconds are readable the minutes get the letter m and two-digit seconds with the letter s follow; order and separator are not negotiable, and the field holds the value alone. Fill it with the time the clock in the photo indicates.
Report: 4h29
